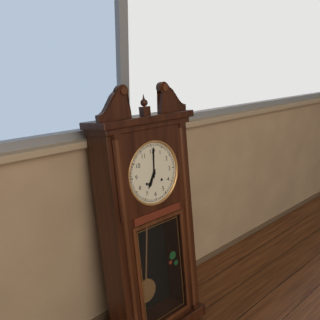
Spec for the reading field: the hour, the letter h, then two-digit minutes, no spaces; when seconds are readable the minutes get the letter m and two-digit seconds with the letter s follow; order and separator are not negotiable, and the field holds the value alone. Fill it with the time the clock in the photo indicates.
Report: 7h01
